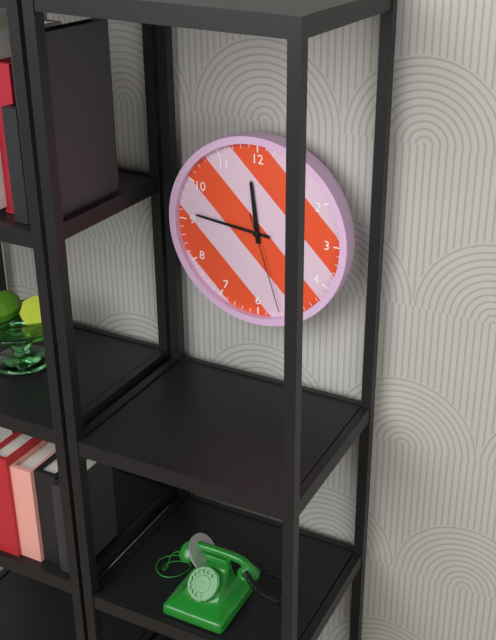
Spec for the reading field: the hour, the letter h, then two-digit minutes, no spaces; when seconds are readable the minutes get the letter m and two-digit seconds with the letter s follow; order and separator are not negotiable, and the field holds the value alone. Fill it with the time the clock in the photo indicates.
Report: 11h46m27s
